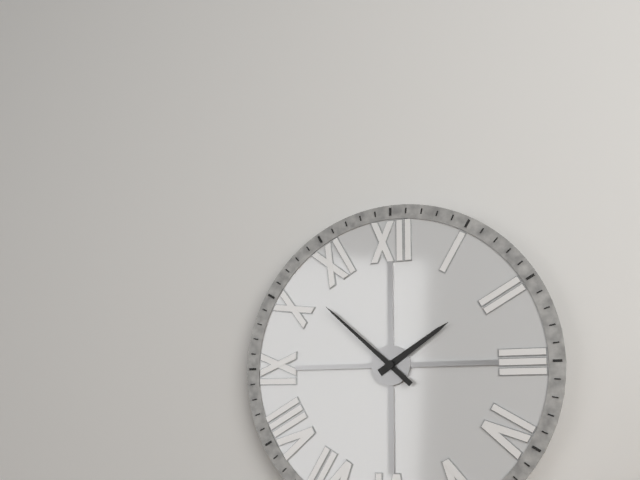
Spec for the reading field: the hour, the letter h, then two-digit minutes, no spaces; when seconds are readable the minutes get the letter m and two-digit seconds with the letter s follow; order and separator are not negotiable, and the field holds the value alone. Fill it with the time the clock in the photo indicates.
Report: 1h52
